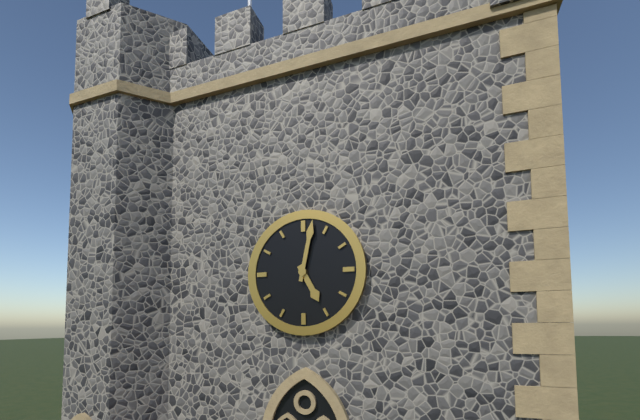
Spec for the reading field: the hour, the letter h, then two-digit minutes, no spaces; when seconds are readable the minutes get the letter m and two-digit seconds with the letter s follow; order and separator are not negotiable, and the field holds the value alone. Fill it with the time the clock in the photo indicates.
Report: 5h02
